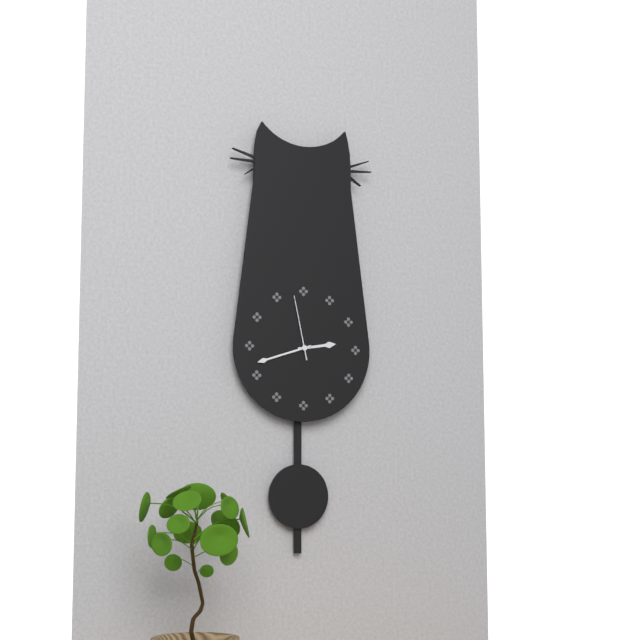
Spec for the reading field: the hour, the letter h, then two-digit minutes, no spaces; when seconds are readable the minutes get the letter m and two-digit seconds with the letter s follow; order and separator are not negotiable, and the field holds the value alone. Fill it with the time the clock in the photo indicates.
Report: 2h42m58s
